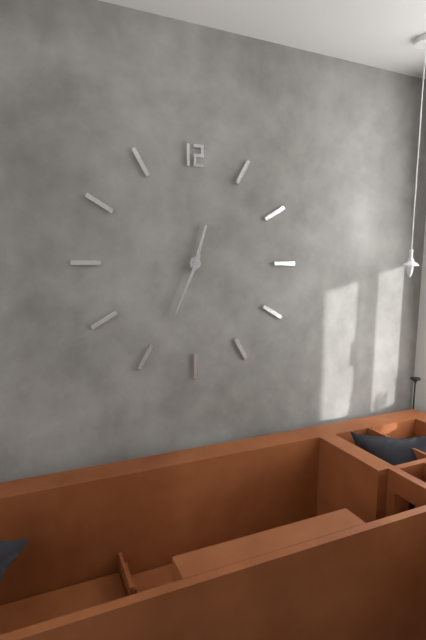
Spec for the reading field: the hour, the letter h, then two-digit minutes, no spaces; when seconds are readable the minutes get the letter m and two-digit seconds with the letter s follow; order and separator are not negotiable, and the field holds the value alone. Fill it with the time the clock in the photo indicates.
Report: 12h34
